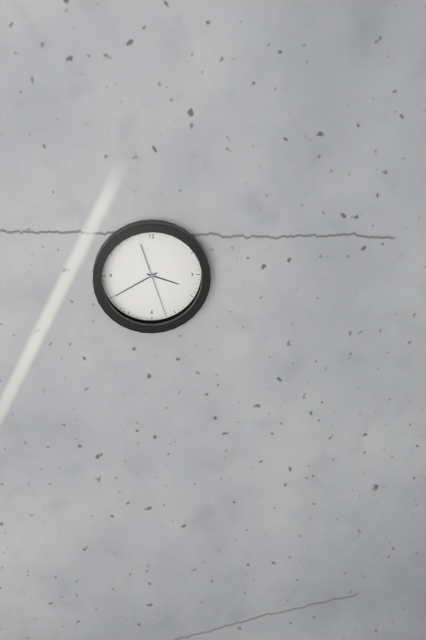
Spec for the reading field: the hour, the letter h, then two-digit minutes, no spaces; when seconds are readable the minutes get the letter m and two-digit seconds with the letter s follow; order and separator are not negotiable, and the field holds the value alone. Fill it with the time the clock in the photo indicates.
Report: 3h40m27s
